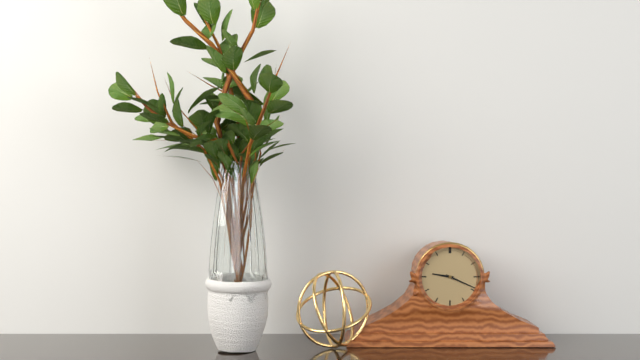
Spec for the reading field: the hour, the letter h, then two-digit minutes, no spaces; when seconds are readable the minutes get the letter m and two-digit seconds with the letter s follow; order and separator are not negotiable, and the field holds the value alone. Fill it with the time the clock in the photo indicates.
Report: 9h19
